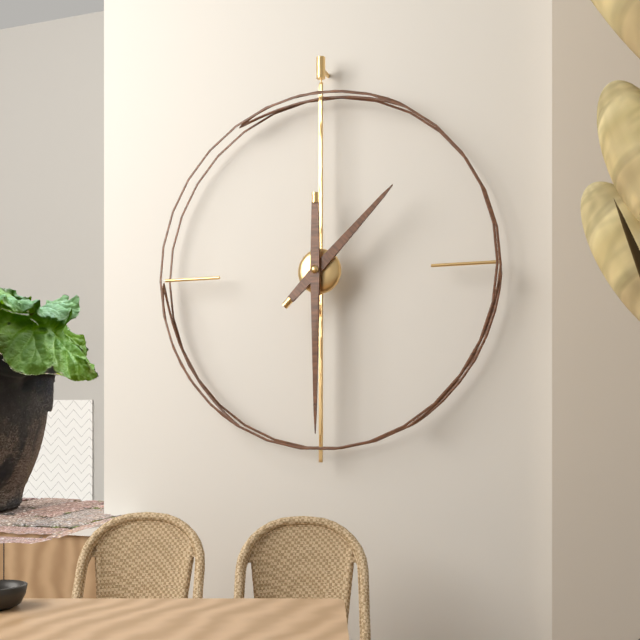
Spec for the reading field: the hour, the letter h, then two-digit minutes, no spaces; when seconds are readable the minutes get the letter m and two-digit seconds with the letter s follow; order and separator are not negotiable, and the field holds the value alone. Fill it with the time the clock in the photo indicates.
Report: 1h30
